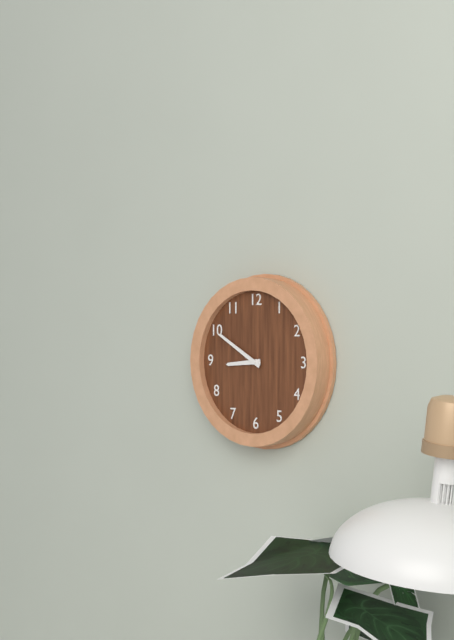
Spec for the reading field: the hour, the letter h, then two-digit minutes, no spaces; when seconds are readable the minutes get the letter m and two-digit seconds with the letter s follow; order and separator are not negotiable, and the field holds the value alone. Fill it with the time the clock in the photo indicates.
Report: 8h50
